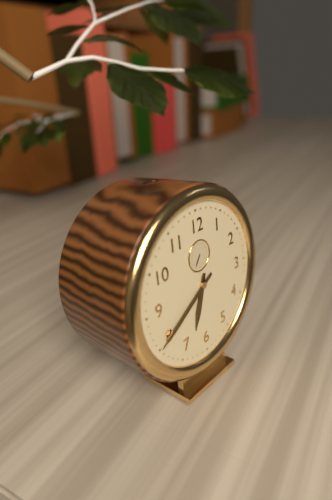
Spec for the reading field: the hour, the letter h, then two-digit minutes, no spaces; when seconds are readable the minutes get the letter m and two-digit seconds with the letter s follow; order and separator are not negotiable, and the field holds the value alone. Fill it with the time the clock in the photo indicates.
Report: 6h40
